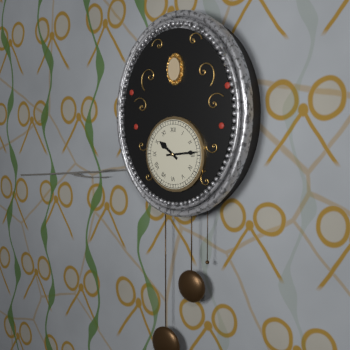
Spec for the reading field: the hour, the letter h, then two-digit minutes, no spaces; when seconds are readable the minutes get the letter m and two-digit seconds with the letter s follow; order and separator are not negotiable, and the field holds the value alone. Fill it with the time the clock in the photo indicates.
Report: 10h14
